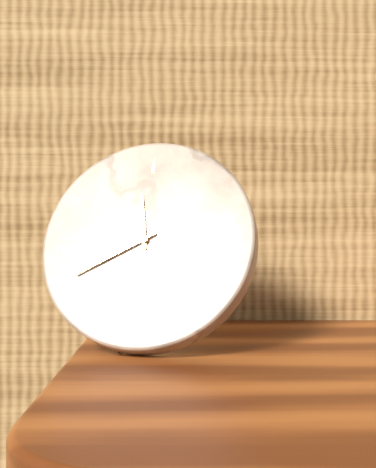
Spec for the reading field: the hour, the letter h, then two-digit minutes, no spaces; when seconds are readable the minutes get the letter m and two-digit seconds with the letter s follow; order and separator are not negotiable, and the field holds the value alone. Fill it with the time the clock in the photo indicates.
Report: 11h40
